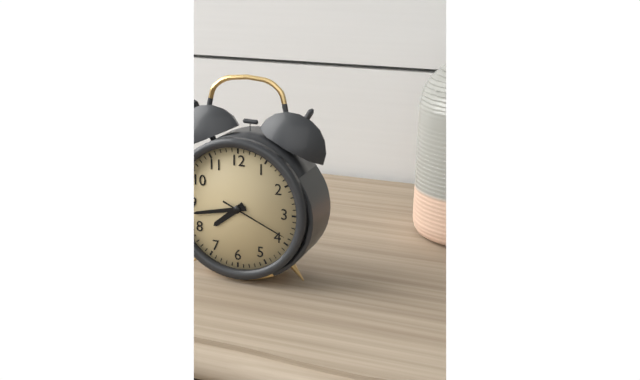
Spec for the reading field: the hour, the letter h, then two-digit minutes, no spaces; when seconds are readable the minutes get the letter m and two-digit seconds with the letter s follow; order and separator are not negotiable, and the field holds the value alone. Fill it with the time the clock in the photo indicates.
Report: 7h43m19s
